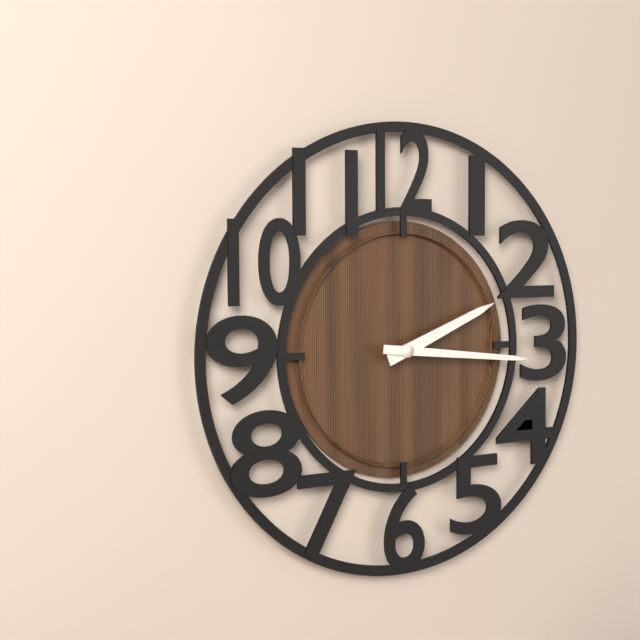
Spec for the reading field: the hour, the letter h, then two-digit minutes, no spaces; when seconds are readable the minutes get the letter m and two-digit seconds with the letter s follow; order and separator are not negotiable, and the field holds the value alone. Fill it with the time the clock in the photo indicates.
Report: 2h16
